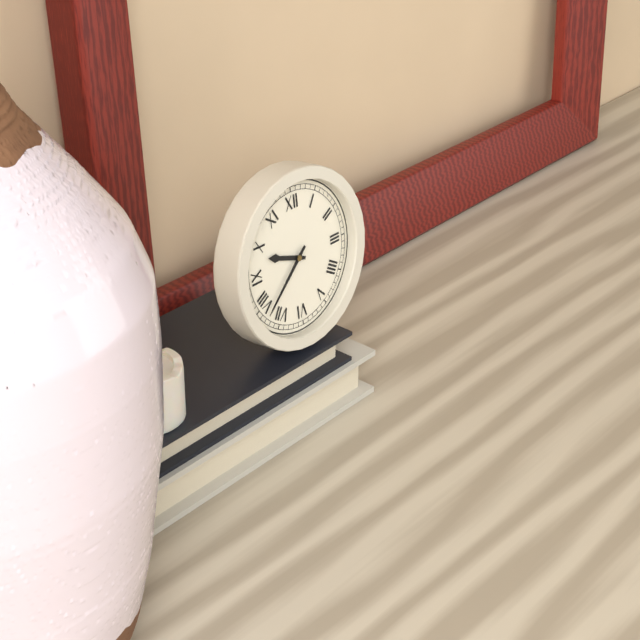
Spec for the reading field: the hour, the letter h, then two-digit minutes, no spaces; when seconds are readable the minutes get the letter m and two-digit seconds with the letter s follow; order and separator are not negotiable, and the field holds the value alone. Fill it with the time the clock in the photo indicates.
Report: 9h38
